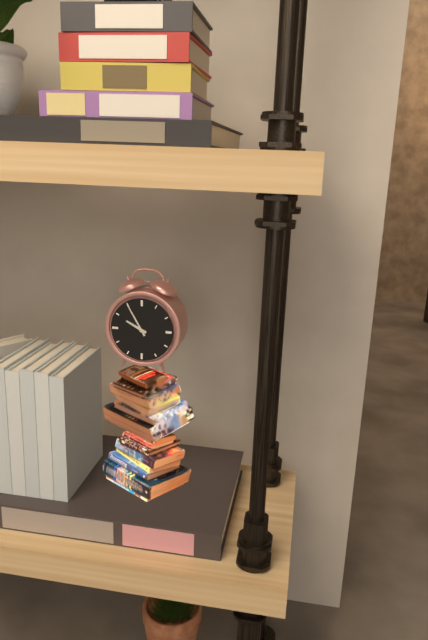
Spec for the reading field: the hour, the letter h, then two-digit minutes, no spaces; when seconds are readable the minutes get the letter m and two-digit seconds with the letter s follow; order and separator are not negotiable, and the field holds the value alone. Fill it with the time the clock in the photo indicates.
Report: 9h55
